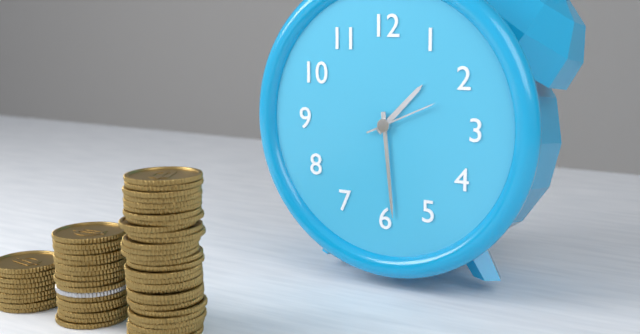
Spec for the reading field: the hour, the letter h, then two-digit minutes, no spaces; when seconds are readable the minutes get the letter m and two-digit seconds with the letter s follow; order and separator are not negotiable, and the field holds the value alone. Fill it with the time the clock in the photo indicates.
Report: 1h29m11s
